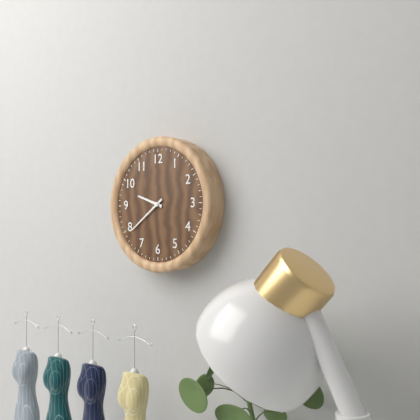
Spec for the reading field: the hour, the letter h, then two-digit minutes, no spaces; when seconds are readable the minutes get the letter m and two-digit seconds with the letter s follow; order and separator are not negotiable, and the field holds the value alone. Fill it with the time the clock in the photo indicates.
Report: 9h39
